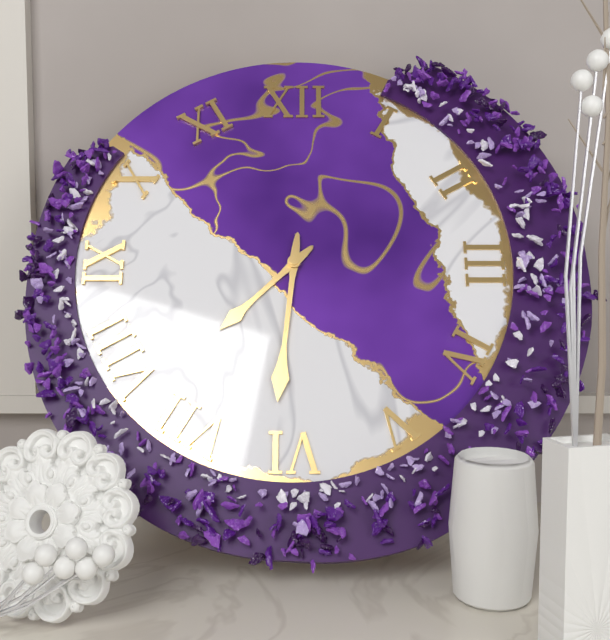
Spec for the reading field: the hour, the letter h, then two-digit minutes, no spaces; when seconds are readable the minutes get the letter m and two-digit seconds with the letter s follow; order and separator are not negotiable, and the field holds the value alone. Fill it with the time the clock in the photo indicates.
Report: 7h31
